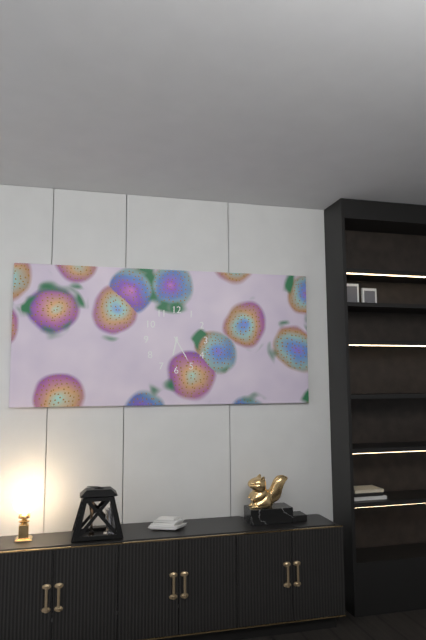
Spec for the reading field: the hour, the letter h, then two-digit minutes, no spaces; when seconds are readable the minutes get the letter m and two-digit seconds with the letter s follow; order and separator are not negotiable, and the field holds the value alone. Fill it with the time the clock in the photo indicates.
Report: 6h25
